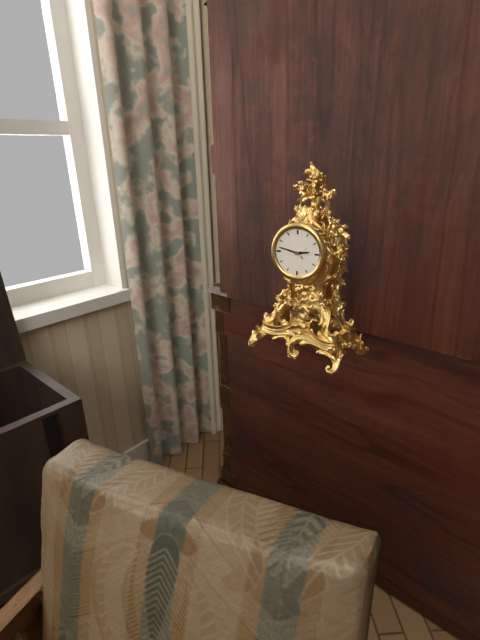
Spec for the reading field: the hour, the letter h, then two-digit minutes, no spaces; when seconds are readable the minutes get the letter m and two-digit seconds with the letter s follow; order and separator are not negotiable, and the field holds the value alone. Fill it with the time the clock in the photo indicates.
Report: 2h47
